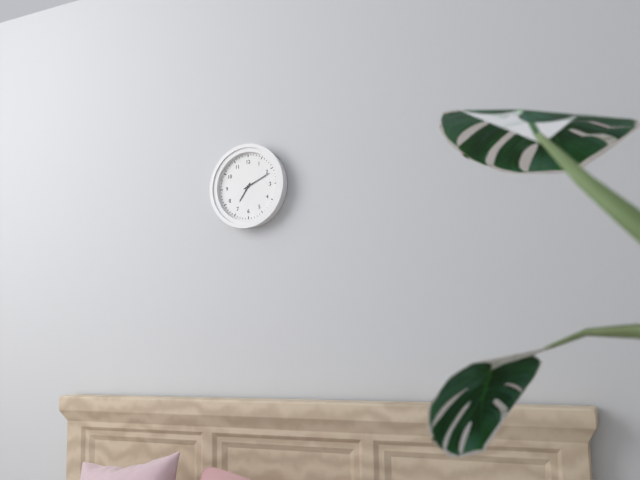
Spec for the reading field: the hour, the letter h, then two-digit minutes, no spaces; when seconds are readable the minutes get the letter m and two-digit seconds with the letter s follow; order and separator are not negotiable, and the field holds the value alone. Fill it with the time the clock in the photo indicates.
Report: 7h11
